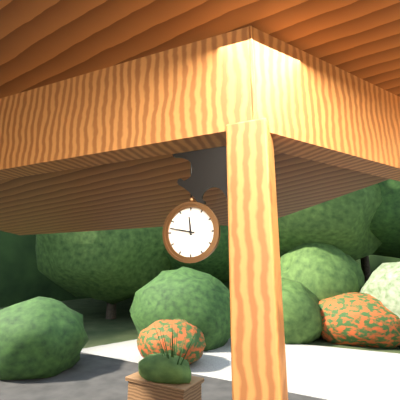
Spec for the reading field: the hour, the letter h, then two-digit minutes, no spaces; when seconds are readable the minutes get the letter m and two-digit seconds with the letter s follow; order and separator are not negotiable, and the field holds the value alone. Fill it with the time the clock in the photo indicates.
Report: 11h47
